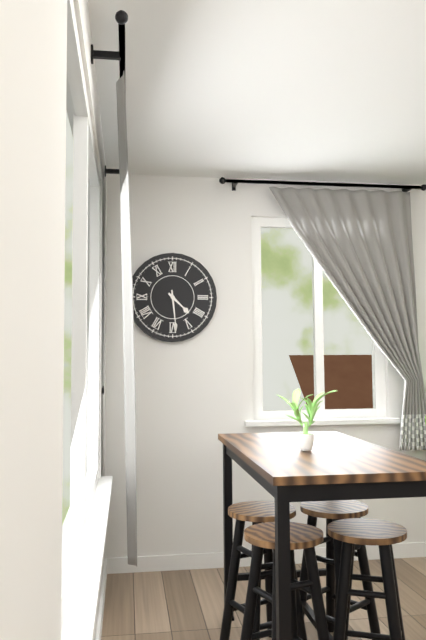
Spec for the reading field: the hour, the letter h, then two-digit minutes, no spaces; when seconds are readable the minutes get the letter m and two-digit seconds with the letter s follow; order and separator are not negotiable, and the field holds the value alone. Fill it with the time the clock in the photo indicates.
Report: 4h29
